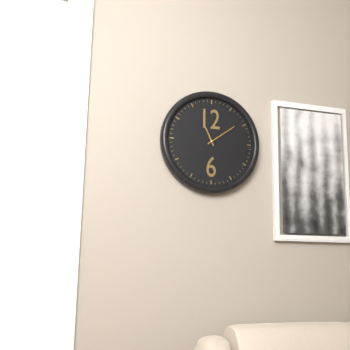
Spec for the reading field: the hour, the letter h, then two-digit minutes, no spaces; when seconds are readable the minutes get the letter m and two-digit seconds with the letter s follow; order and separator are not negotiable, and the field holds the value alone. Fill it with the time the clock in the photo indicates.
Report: 11h09
